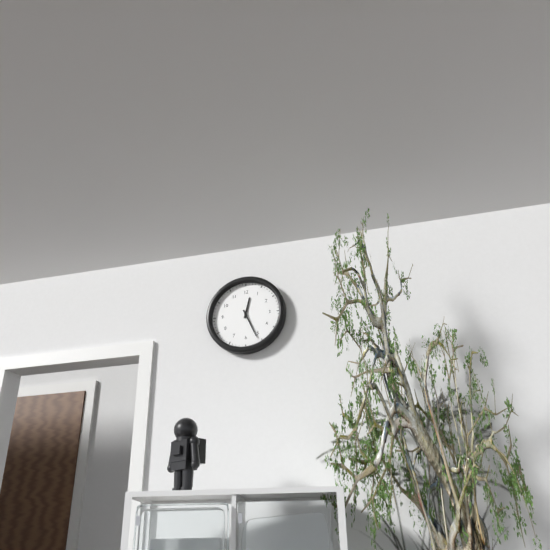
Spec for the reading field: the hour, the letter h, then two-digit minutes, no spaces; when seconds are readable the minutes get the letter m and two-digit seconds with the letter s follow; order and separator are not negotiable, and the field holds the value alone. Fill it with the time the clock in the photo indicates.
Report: 12h26
